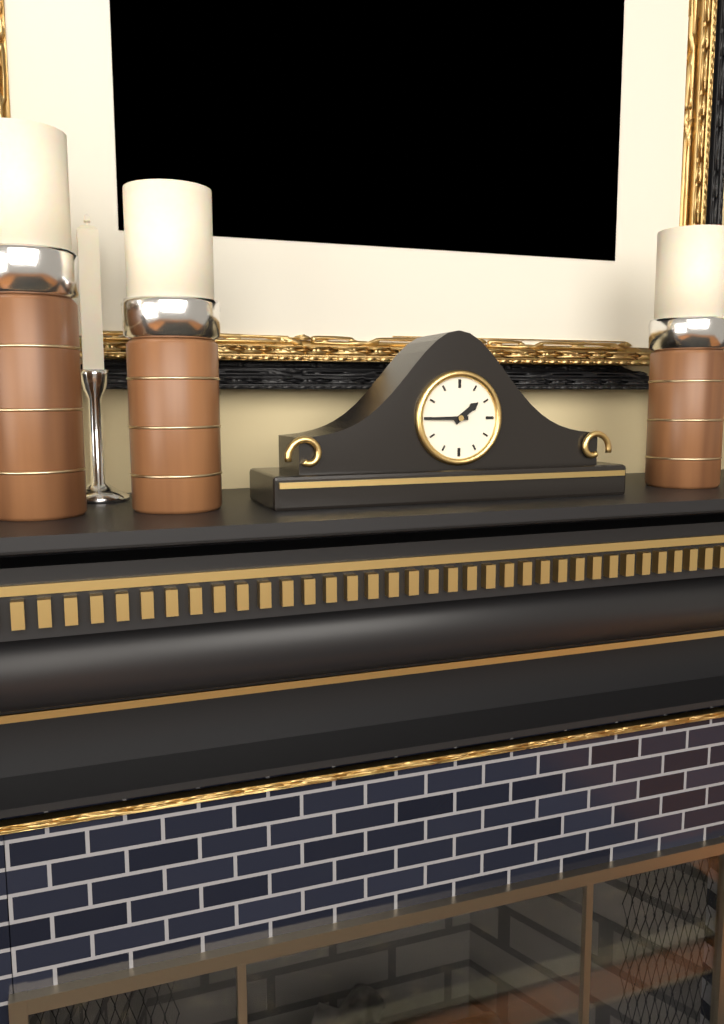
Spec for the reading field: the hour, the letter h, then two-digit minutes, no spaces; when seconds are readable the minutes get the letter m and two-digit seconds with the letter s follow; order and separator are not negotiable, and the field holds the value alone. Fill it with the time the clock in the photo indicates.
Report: 1h45
